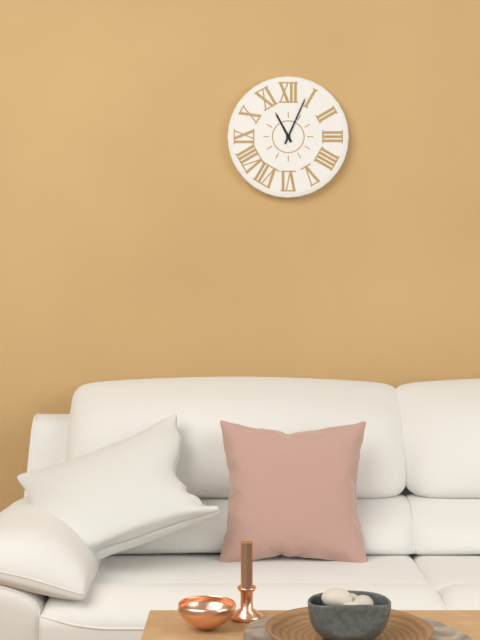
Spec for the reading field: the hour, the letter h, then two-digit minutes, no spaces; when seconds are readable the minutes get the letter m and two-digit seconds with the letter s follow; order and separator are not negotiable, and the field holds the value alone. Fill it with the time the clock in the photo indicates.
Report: 11h04
